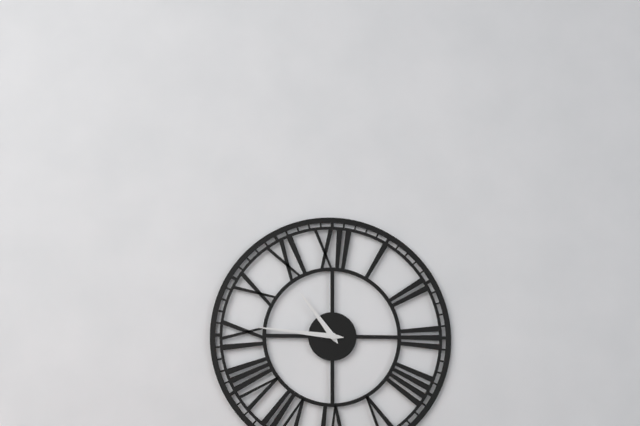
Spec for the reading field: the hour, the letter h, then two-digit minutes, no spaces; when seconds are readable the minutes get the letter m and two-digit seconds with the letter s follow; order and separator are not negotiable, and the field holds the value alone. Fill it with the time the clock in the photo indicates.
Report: 10h46
